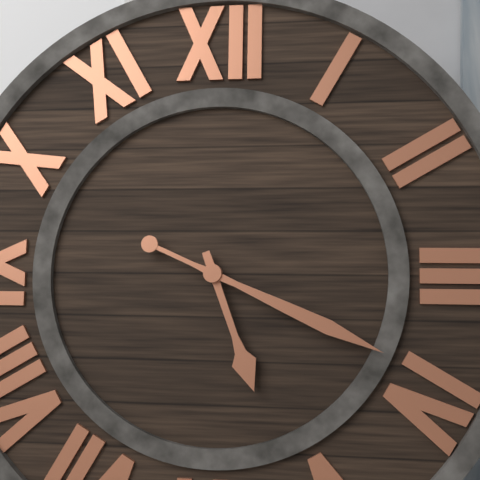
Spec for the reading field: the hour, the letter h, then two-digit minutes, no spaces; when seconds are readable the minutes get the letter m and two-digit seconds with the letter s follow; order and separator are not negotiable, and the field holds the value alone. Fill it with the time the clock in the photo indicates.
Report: 5h19
